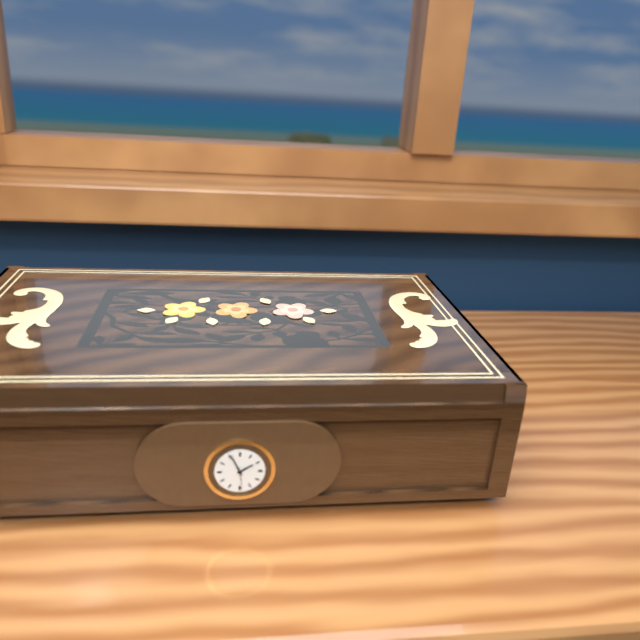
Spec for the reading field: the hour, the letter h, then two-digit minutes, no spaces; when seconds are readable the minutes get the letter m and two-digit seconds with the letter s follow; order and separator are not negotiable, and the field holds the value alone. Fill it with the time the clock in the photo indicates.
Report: 1h56m29s
